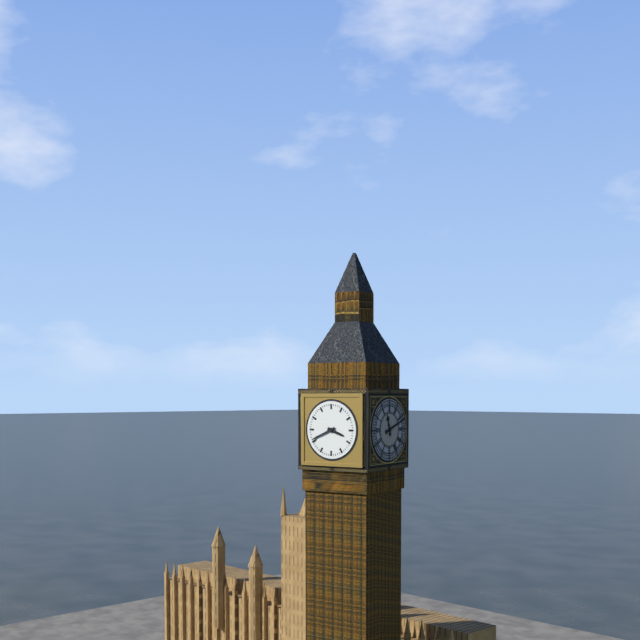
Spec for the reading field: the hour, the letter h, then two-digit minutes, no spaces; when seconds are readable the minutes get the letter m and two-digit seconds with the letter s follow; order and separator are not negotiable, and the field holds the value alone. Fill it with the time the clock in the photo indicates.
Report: 3h41
